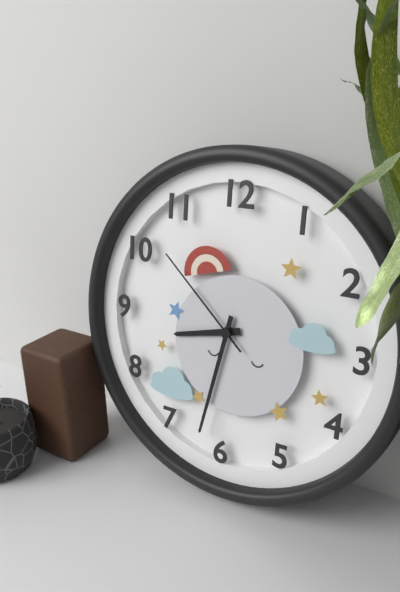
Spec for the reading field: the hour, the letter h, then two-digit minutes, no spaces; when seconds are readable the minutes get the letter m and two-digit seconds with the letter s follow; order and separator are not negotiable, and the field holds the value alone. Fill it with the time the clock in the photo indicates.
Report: 8h32m52s
